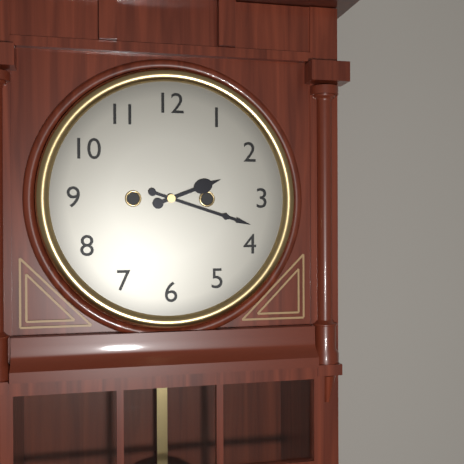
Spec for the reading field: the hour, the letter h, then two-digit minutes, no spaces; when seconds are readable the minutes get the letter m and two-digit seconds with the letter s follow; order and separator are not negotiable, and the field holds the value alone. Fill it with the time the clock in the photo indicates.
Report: 2h18
